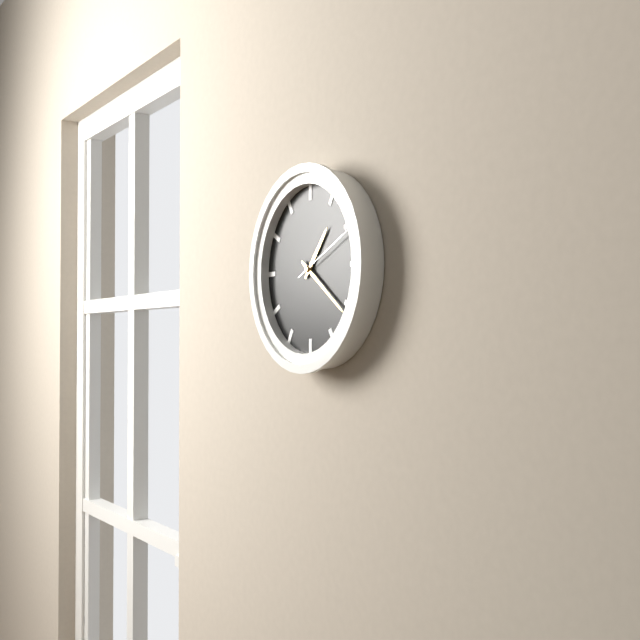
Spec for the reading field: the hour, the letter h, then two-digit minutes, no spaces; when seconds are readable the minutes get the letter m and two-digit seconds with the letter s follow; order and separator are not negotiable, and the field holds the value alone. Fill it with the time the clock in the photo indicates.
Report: 1h21m11s
